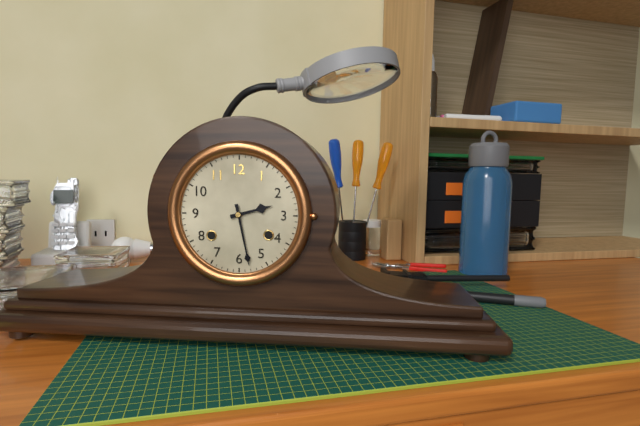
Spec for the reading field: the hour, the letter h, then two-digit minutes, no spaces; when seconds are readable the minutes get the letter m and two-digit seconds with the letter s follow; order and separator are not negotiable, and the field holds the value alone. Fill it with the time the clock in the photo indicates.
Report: 2h28
